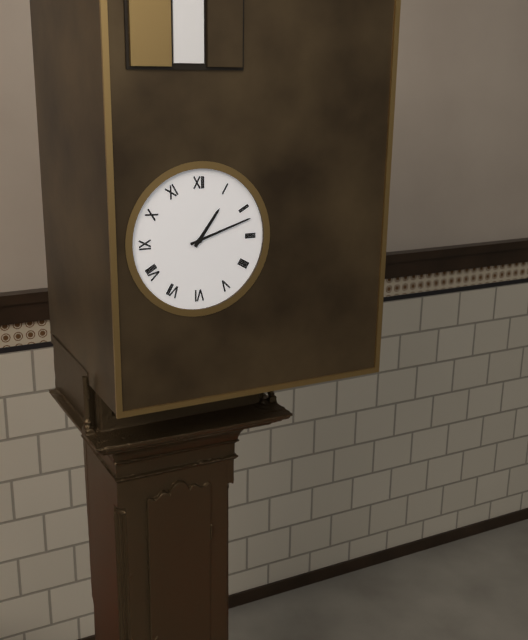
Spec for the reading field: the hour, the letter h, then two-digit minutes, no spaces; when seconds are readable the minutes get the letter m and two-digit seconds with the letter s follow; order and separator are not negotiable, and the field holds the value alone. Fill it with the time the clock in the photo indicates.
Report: 1h12
